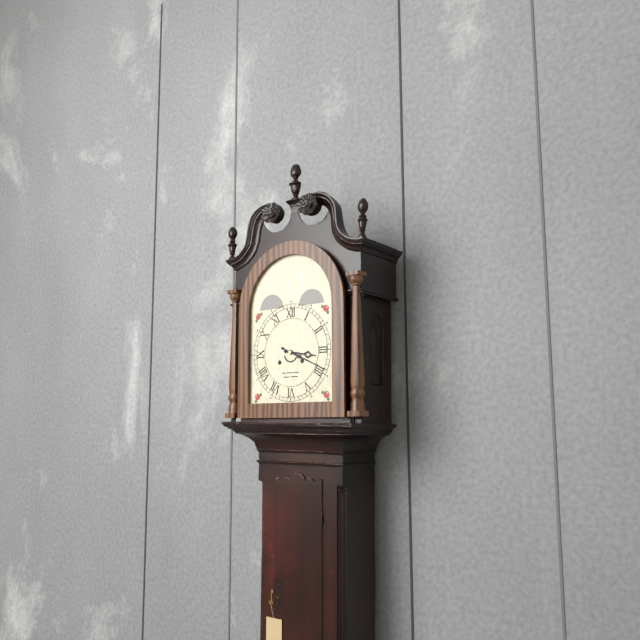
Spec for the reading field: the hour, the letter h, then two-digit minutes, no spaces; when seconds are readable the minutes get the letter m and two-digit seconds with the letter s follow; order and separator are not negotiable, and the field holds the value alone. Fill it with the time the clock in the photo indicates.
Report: 3h19
